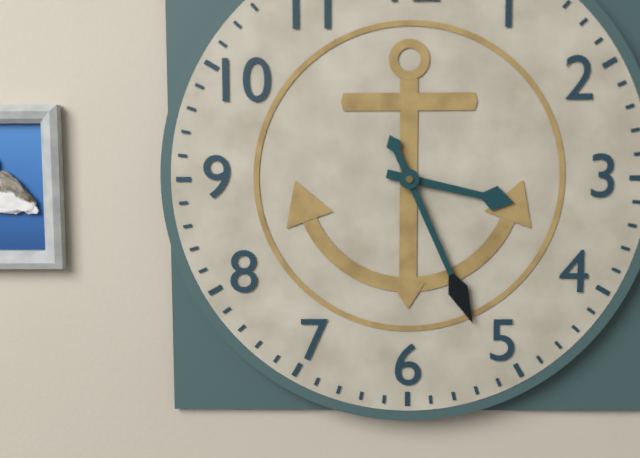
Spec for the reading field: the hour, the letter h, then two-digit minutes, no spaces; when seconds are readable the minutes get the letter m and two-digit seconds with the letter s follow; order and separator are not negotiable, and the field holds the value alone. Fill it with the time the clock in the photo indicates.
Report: 3h26
